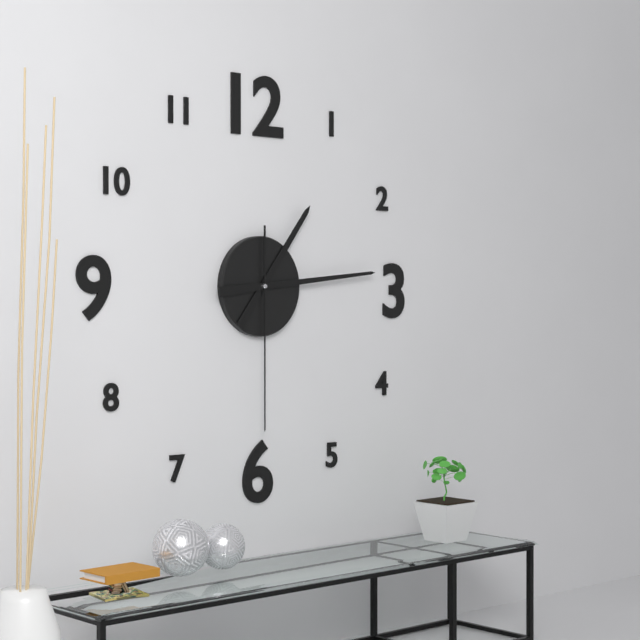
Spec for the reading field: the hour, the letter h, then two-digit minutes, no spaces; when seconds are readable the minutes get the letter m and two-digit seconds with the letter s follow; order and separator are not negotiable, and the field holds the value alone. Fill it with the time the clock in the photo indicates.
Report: 1h14m30s
